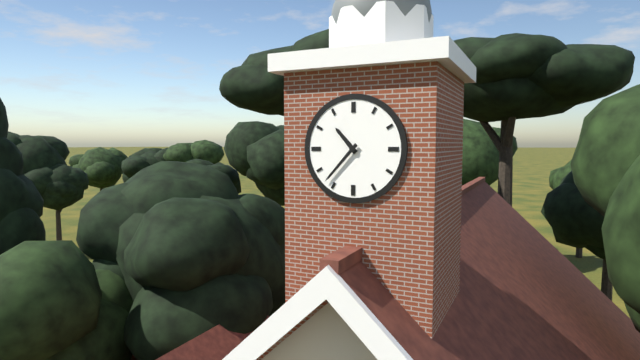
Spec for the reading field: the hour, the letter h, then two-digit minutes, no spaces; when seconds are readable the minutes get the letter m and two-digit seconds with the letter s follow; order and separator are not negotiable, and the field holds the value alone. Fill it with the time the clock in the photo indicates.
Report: 10h37
